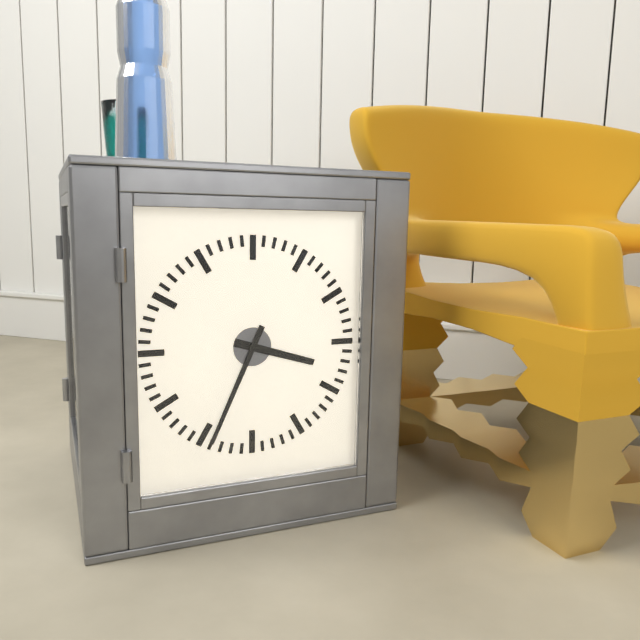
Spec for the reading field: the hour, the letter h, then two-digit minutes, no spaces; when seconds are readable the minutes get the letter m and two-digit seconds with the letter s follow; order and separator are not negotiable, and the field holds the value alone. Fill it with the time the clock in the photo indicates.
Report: 3h34
